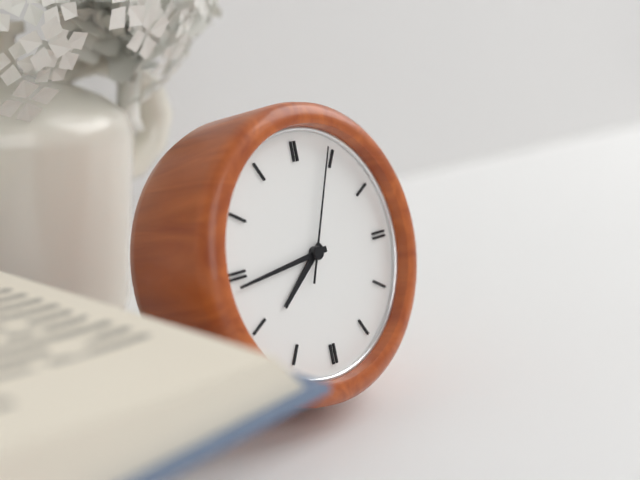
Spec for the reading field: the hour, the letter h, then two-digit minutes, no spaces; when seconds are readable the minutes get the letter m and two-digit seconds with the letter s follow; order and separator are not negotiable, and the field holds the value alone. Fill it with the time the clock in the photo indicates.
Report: 7h44m04s
